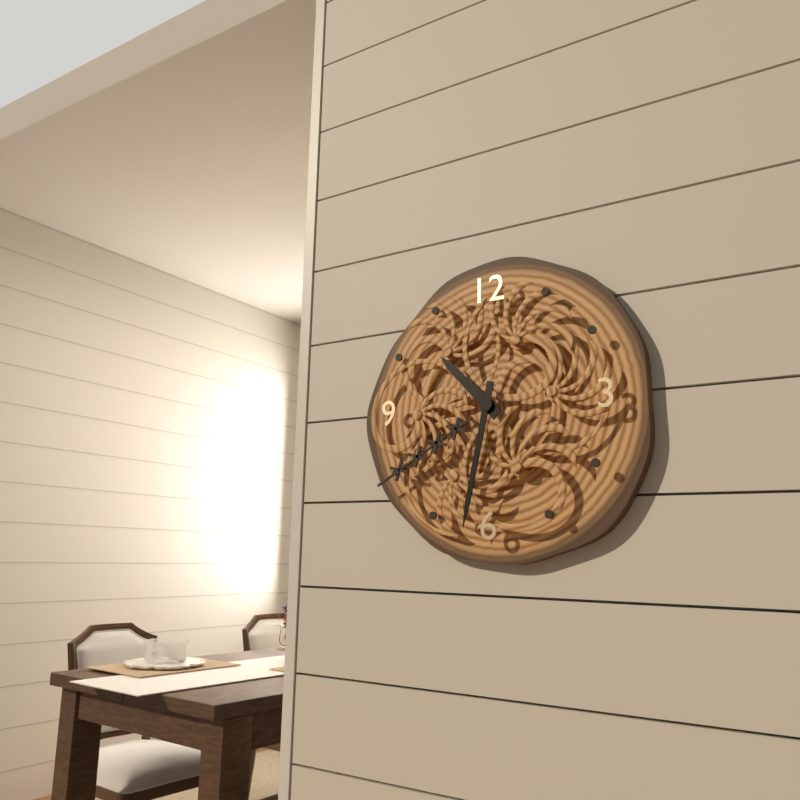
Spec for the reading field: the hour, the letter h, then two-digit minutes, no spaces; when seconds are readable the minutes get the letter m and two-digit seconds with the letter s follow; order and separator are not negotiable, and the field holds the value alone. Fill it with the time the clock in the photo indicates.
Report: 10h32
